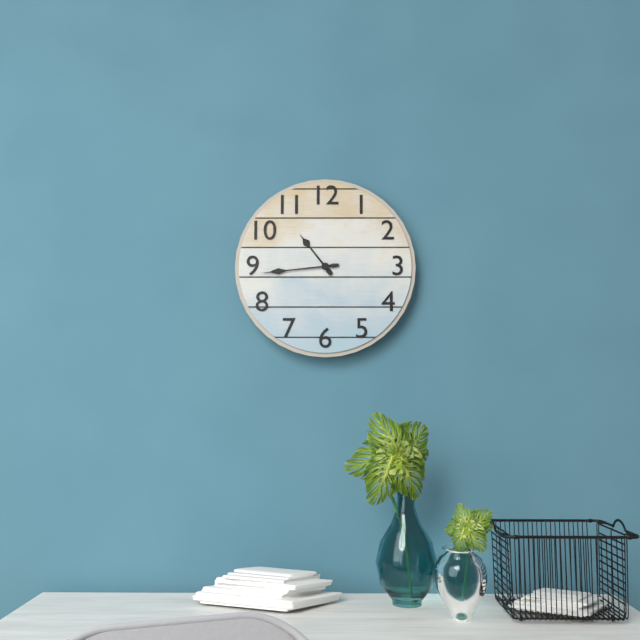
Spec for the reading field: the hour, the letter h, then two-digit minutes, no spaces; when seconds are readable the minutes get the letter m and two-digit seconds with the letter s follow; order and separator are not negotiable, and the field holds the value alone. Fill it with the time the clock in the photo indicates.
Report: 10h44
